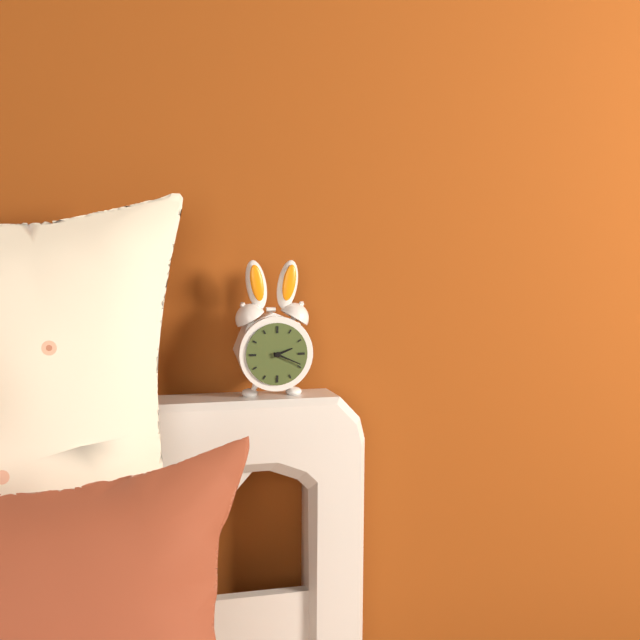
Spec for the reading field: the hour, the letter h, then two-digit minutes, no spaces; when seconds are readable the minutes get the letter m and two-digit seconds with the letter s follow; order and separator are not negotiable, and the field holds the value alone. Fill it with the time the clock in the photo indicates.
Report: 2h19
